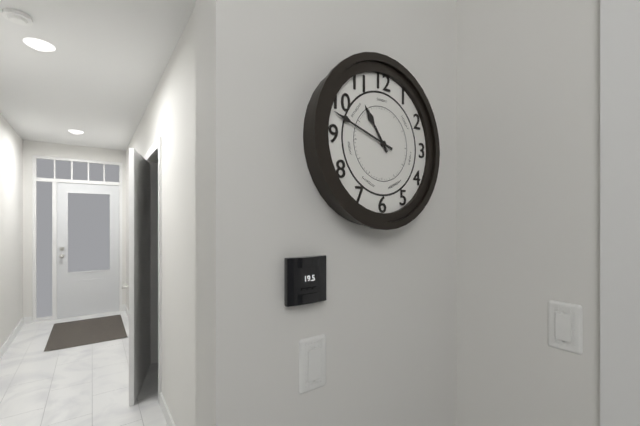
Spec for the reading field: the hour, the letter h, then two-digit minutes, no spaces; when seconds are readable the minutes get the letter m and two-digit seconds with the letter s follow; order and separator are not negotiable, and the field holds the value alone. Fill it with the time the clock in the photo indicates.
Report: 10h48
